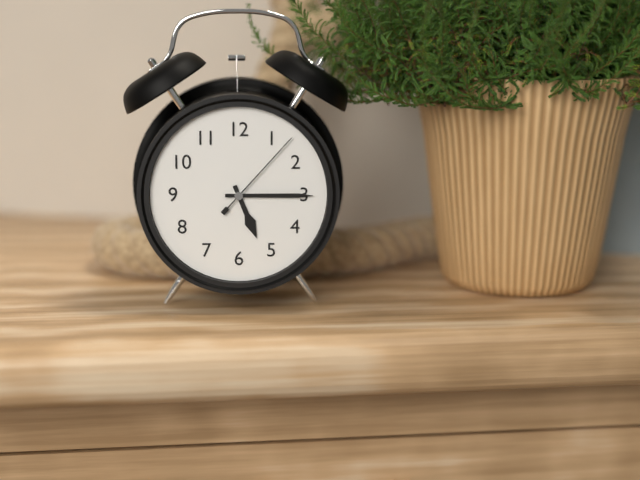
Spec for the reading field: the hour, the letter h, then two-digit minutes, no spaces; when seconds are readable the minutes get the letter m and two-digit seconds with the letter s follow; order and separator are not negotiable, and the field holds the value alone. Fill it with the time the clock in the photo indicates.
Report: 5h15m07s
